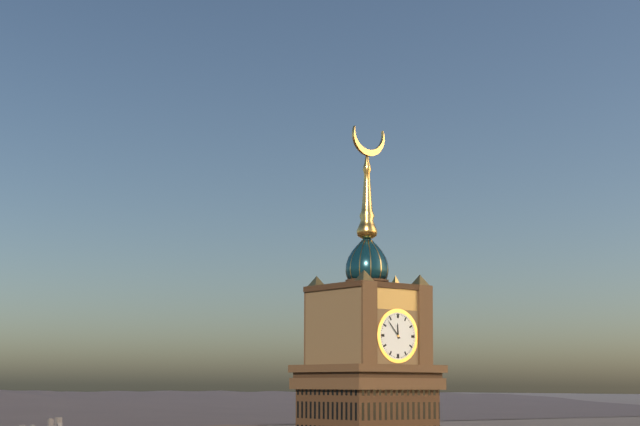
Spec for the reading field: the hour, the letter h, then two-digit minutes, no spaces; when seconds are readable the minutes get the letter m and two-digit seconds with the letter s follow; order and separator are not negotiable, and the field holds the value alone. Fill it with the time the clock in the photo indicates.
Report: 11h53
